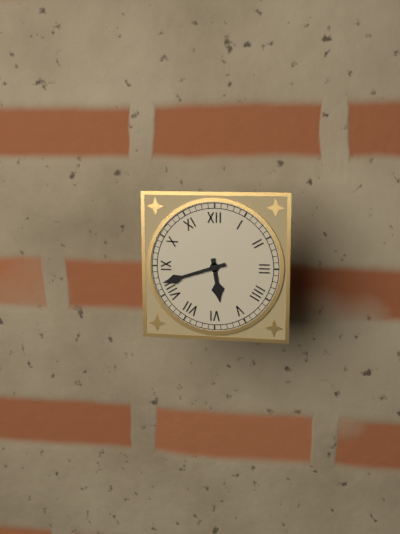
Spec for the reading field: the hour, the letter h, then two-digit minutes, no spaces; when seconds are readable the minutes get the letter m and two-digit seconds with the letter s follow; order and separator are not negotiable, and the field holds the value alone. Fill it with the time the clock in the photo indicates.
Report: 5h42
